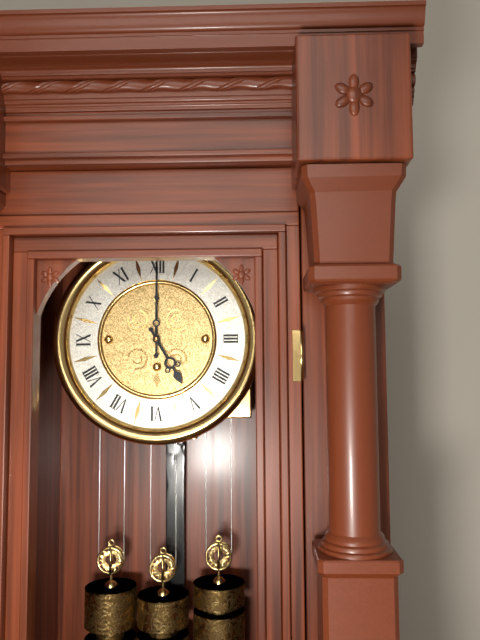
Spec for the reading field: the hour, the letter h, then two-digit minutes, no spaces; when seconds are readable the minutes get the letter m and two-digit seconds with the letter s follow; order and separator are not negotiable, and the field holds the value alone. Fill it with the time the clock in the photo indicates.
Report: 5h00
